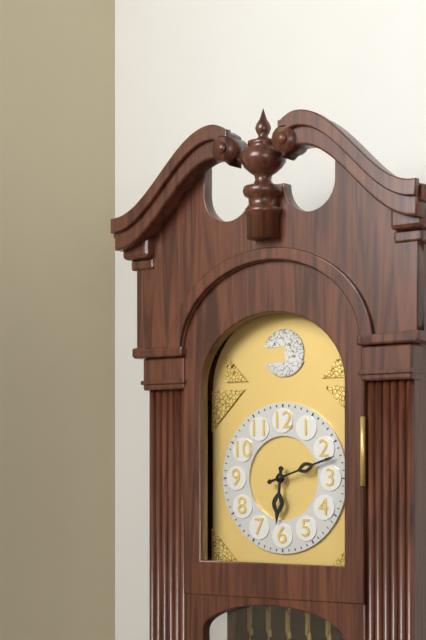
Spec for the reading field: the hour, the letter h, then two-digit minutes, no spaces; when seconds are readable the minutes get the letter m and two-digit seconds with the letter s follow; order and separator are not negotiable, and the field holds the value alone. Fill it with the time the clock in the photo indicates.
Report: 6h12
